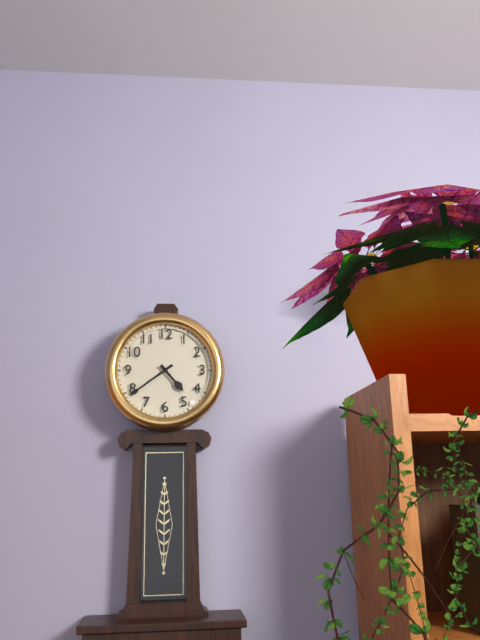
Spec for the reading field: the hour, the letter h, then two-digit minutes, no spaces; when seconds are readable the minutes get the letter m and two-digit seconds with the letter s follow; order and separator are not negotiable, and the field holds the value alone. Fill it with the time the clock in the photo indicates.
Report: 4h39
